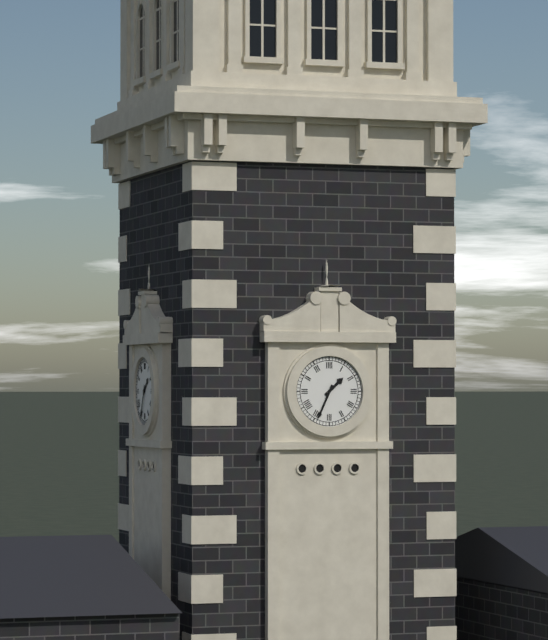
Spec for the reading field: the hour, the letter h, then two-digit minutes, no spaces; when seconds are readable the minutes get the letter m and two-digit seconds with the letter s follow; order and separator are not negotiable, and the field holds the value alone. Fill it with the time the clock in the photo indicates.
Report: 1h34
